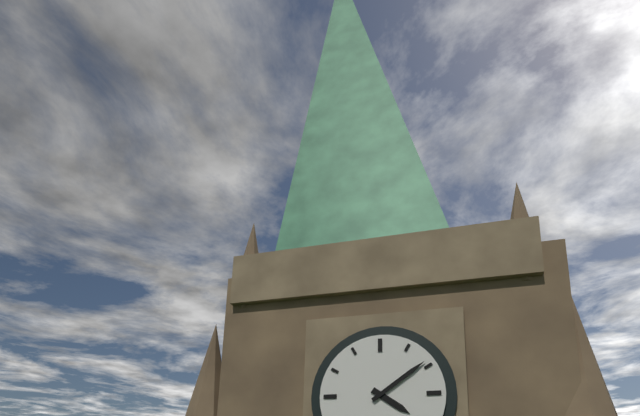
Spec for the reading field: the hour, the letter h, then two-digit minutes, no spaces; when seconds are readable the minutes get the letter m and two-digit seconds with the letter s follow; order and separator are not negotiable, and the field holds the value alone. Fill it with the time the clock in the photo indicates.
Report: 4h09
